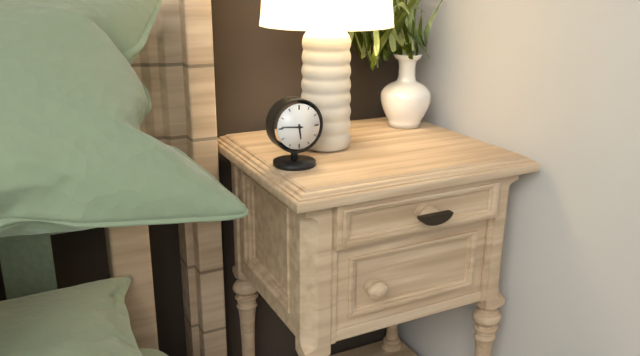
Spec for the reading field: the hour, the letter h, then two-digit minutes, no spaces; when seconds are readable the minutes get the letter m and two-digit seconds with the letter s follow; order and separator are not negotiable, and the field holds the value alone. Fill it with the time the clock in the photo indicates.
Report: 5h46
